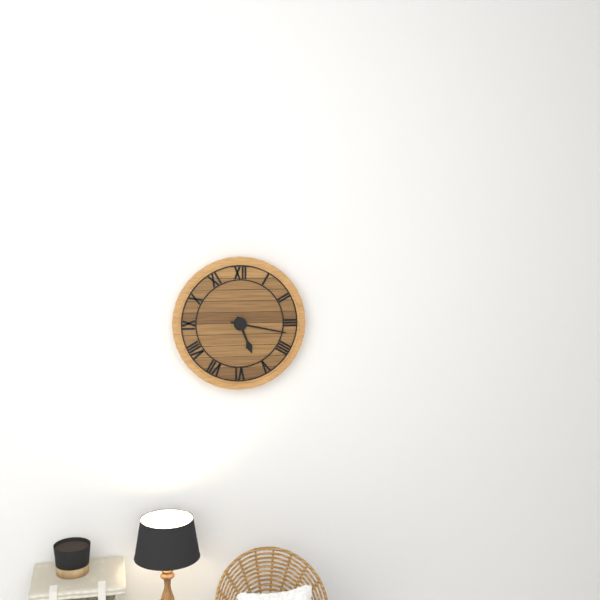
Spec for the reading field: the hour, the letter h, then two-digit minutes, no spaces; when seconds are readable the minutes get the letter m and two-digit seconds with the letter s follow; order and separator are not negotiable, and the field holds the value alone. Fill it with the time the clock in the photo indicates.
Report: 5h17
